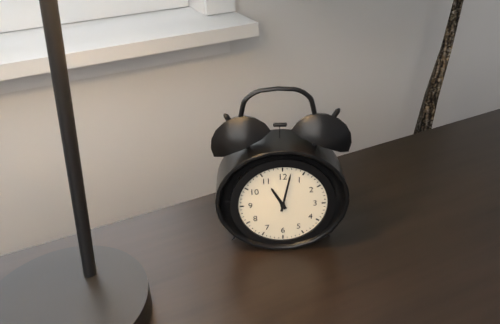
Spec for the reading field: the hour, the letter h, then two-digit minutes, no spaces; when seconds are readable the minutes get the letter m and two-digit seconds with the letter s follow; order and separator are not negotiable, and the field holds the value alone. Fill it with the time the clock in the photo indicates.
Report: 11h02
